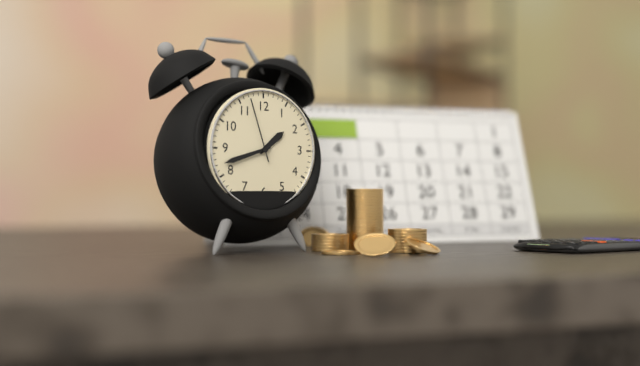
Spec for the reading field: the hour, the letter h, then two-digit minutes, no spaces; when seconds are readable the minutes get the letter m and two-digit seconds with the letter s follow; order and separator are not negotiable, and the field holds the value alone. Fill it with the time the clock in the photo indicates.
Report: 1h42m57s
